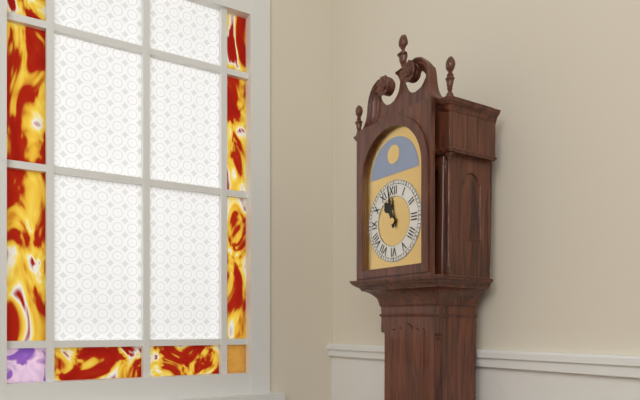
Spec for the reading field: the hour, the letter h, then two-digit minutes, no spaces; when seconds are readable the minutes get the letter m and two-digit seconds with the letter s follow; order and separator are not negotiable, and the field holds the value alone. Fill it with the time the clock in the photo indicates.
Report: 10h58
